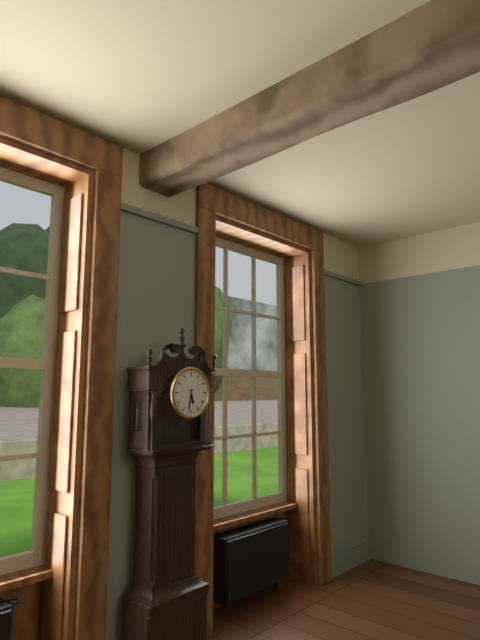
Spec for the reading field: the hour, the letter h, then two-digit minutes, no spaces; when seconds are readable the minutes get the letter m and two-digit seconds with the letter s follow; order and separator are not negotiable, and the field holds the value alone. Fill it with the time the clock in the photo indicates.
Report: 5h32
